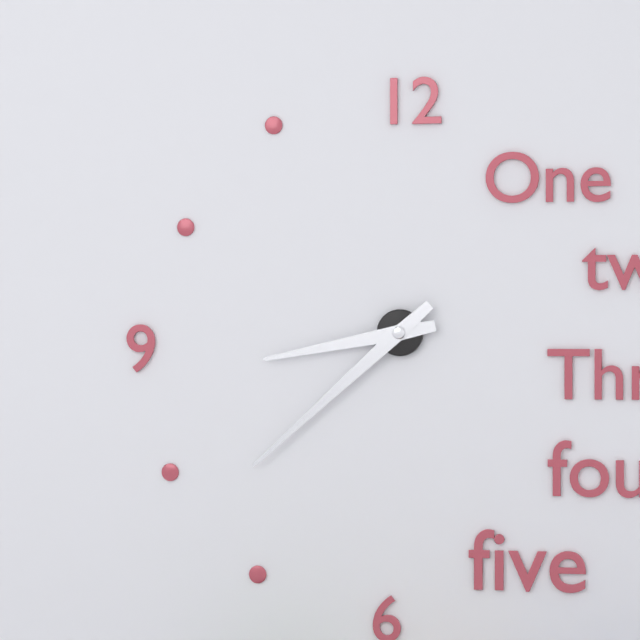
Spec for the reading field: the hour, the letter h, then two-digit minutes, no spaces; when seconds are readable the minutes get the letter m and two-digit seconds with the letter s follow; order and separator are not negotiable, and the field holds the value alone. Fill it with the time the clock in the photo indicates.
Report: 8h38
